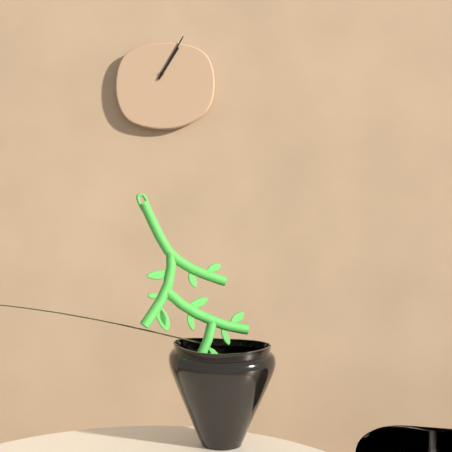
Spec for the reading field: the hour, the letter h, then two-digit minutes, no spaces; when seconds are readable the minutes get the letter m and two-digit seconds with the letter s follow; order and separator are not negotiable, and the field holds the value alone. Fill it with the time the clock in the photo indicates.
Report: 1h05
